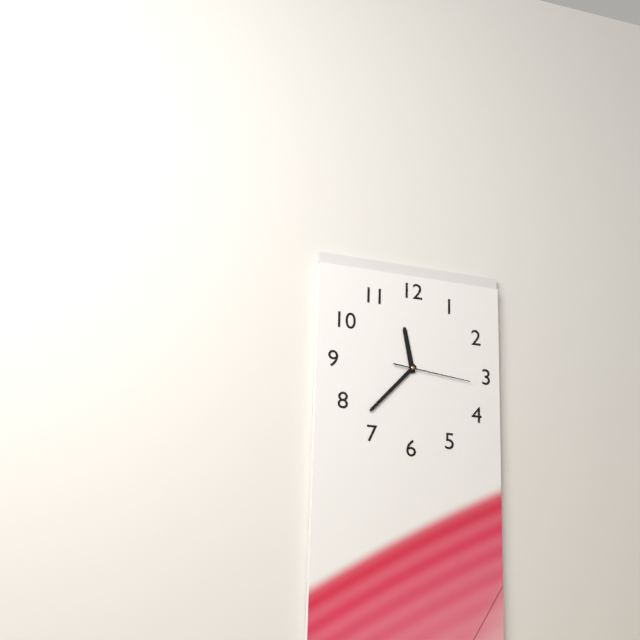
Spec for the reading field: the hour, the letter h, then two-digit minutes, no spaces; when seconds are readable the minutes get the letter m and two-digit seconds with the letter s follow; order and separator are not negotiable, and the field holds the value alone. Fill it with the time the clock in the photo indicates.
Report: 11h37m16s
